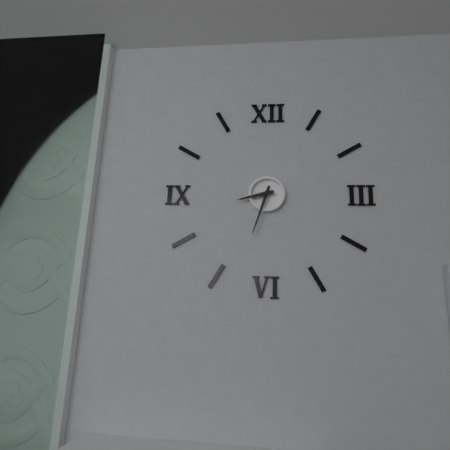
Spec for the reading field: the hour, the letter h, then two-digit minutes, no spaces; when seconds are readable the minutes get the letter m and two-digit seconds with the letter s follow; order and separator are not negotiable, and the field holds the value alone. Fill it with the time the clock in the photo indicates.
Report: 8h33
